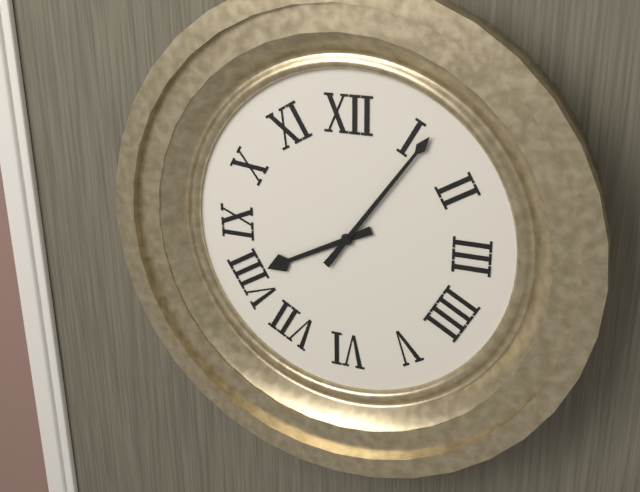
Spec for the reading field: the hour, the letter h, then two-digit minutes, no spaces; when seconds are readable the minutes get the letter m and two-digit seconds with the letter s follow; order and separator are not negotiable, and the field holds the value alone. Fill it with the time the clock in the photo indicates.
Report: 8h06
